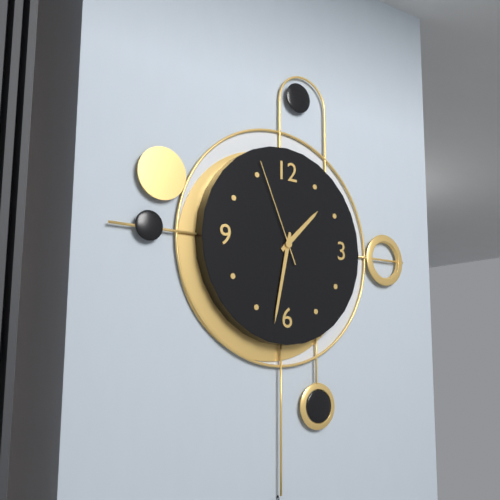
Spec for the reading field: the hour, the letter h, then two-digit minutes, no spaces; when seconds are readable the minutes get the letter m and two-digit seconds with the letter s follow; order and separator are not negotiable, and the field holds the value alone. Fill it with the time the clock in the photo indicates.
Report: 1h32m56s
